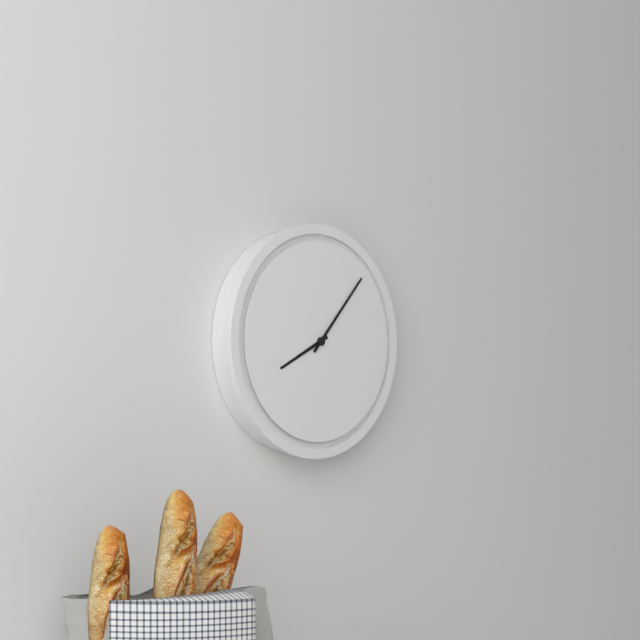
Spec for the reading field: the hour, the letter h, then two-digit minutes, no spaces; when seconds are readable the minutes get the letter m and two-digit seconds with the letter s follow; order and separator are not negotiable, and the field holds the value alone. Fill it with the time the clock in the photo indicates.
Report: 8h07
